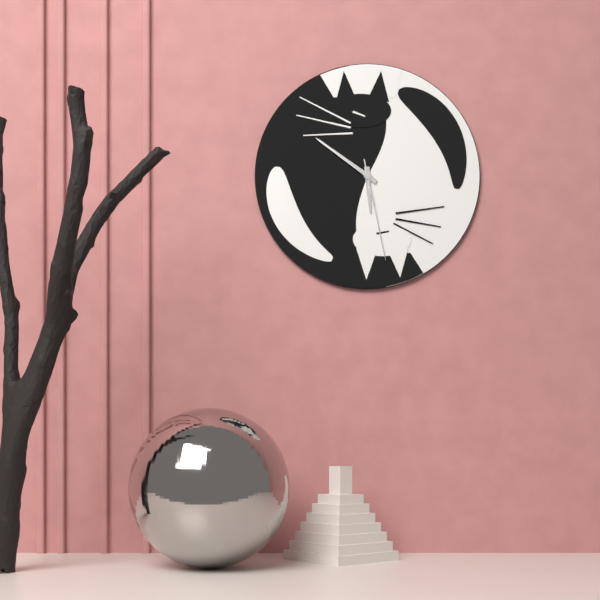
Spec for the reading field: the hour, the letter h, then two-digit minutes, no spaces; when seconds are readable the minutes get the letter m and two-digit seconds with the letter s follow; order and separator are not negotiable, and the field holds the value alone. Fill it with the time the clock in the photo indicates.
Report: 5h51m28s
